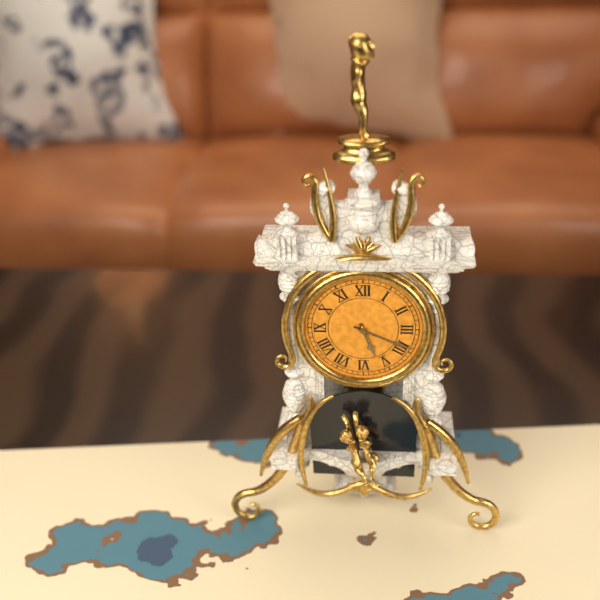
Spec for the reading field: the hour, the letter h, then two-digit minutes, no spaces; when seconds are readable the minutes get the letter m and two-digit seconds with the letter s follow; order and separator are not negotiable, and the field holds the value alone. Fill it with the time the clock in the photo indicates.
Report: 5h19
